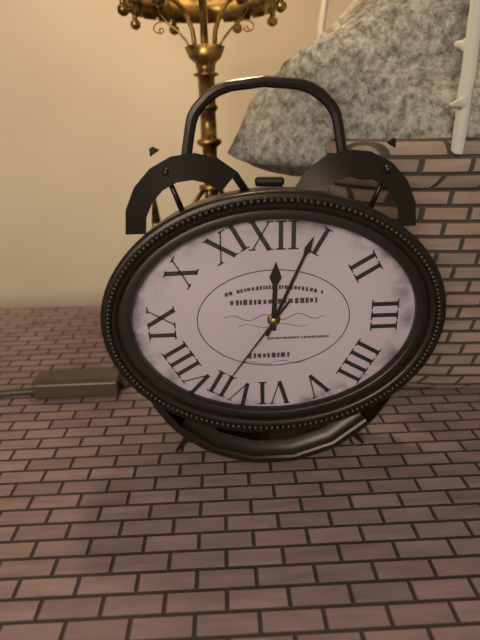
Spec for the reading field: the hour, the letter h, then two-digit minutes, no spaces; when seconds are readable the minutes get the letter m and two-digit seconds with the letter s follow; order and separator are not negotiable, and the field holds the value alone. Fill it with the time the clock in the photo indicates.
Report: 12h04m36s
